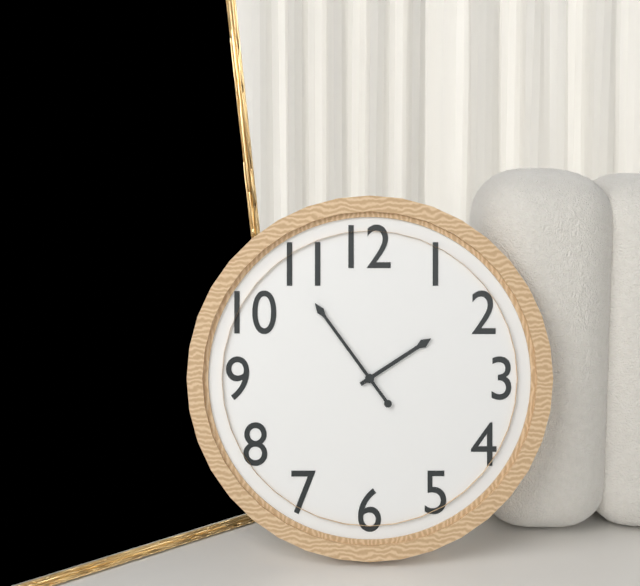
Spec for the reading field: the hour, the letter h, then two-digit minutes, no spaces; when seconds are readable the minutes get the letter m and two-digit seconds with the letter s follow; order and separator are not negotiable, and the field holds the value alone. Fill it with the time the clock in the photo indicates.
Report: 1h54
